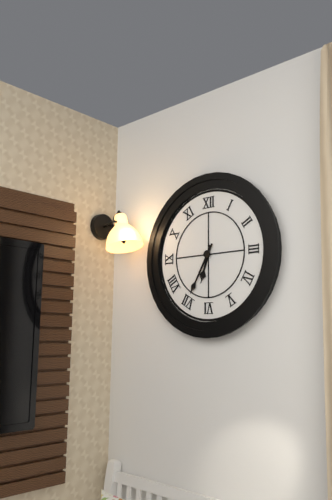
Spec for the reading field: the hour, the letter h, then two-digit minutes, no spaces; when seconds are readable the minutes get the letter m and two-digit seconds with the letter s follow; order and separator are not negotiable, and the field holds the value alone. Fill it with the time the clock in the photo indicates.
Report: 6h35
